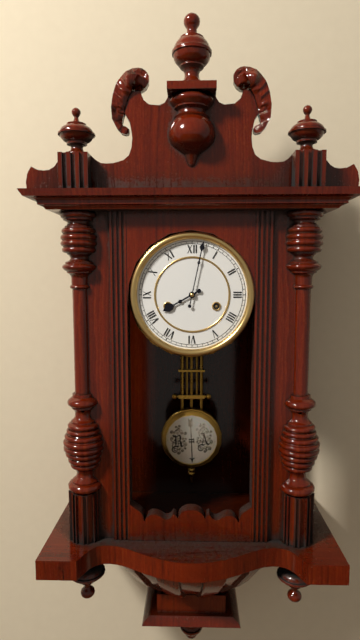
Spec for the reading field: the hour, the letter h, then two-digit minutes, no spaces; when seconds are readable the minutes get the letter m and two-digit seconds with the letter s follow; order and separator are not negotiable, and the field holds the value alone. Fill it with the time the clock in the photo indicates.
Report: 8h02
